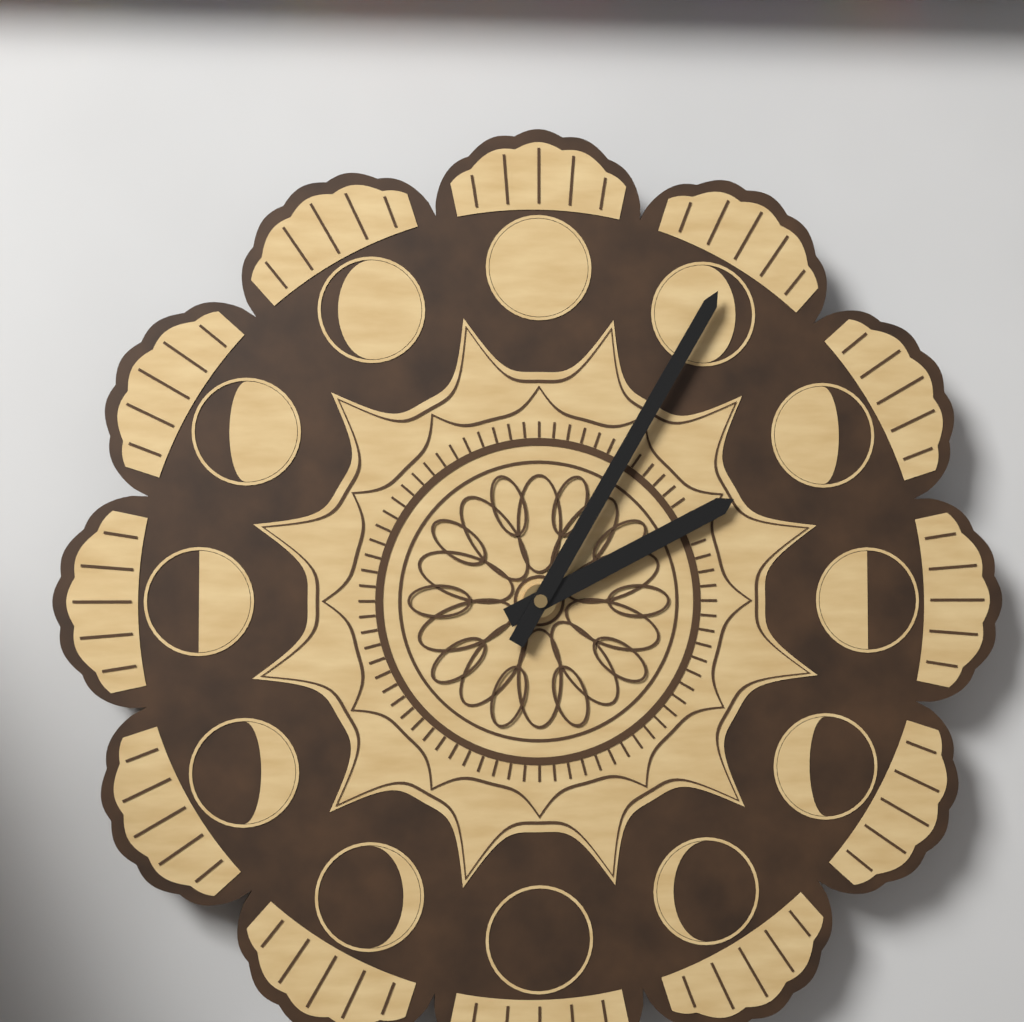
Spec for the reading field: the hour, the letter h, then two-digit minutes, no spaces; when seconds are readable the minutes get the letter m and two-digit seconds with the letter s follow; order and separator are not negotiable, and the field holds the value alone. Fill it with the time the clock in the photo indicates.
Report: 2h05
